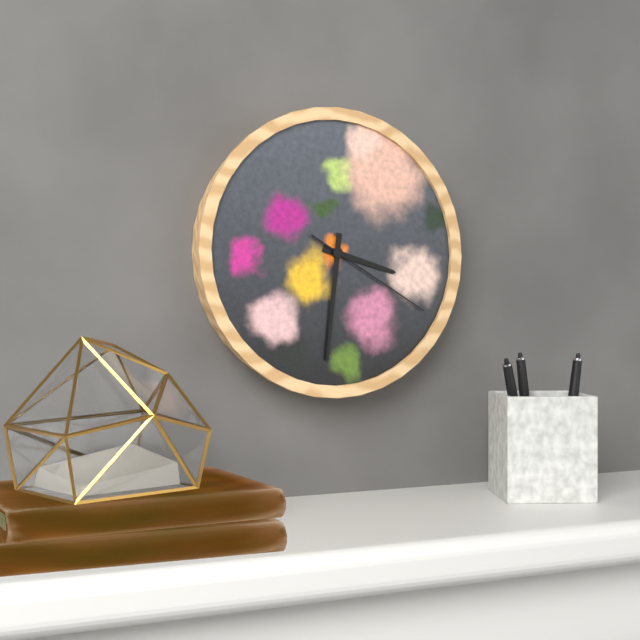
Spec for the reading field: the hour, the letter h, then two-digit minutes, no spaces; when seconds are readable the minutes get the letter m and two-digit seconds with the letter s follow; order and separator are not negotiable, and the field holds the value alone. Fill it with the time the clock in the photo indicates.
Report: 3h31m20s
